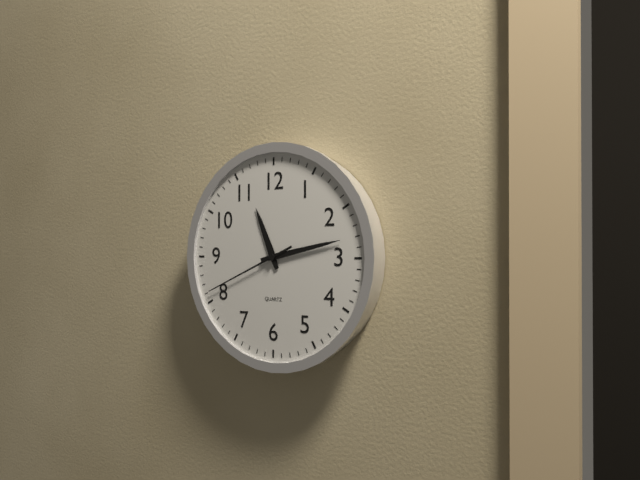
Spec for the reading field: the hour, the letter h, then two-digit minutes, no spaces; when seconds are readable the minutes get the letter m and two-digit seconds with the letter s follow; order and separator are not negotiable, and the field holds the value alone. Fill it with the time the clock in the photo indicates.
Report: 11h13m41s
